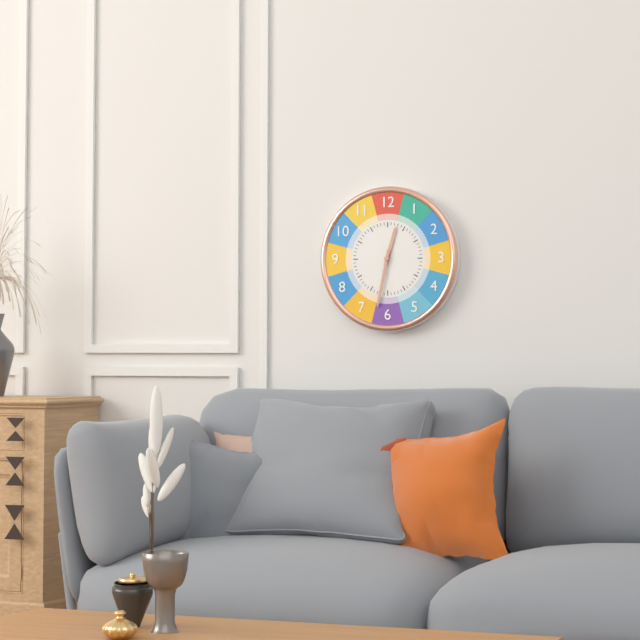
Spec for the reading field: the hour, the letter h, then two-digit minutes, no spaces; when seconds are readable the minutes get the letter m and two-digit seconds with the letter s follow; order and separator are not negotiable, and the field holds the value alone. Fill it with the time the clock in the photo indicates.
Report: 12h32
